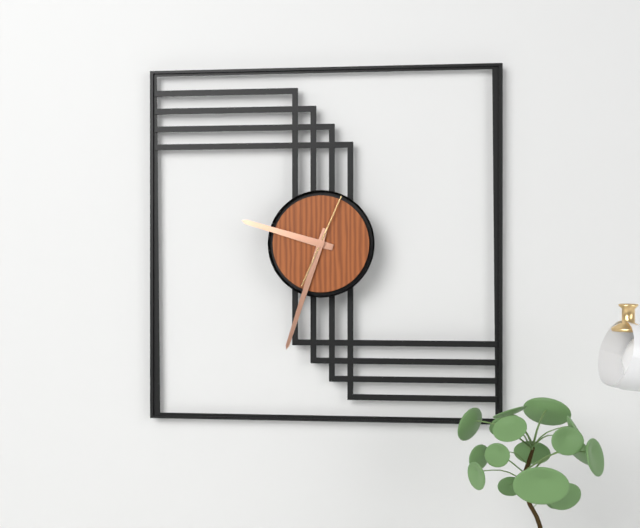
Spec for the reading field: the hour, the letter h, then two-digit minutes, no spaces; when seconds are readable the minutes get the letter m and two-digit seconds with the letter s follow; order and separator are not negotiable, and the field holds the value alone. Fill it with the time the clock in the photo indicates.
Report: 9h33m04s
